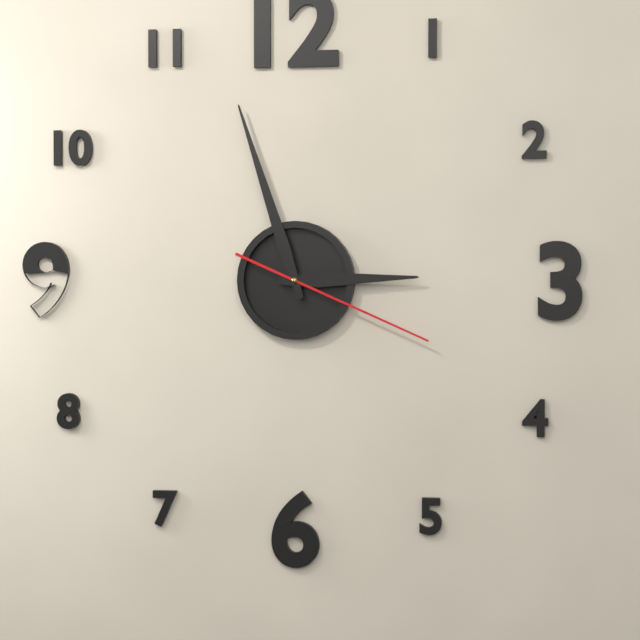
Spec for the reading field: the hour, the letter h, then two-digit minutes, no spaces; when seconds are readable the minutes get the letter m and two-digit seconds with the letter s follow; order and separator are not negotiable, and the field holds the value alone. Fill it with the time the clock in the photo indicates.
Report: 2h57m19s
